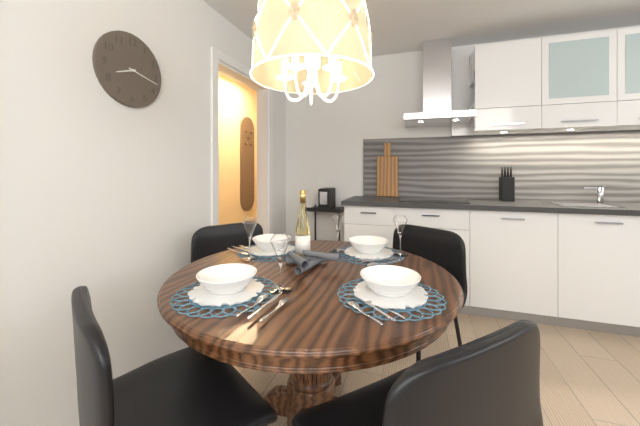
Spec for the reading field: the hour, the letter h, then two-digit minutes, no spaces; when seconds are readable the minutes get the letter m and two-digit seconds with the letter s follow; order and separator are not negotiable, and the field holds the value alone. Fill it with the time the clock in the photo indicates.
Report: 8h17
